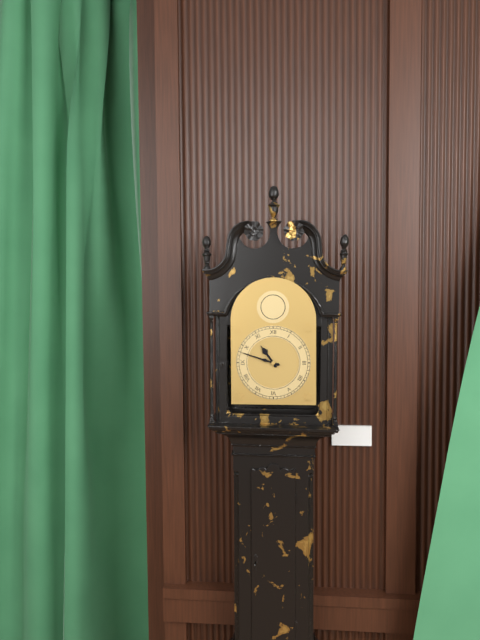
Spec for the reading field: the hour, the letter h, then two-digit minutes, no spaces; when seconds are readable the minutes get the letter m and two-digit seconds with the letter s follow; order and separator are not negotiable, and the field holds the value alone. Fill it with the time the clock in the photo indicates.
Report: 10h48
